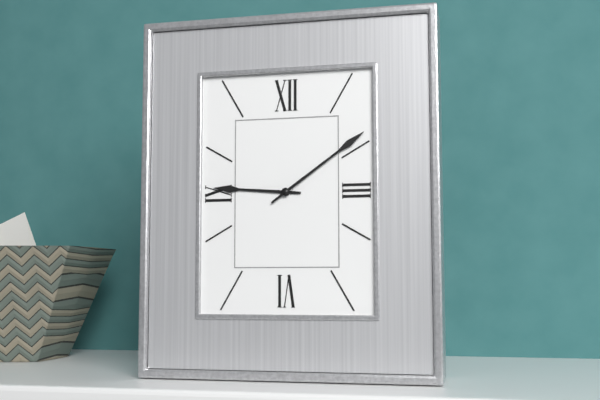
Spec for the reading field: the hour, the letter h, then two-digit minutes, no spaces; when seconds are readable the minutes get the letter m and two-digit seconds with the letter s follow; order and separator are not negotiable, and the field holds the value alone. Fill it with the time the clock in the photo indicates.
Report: 9h09
